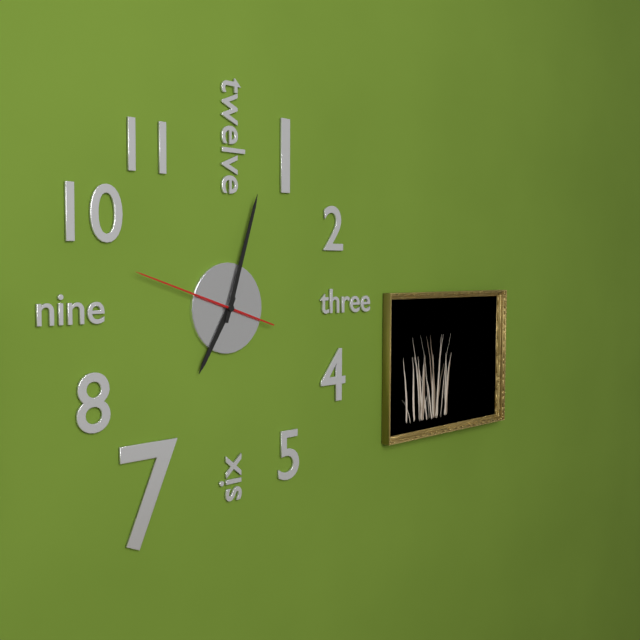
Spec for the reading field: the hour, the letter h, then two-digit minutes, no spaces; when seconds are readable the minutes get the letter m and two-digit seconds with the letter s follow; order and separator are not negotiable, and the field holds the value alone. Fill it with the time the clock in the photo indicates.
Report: 7h03m48s
